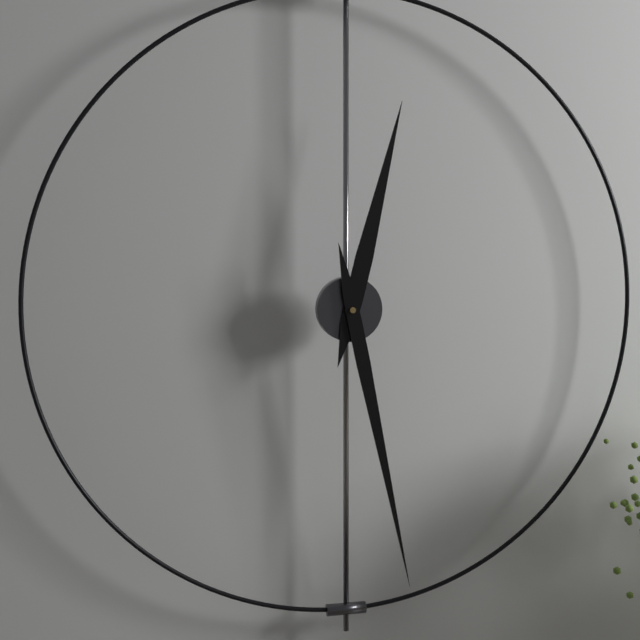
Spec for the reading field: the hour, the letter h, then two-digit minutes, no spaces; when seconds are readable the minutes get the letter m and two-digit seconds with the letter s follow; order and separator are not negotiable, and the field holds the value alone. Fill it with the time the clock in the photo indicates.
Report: 12h28
